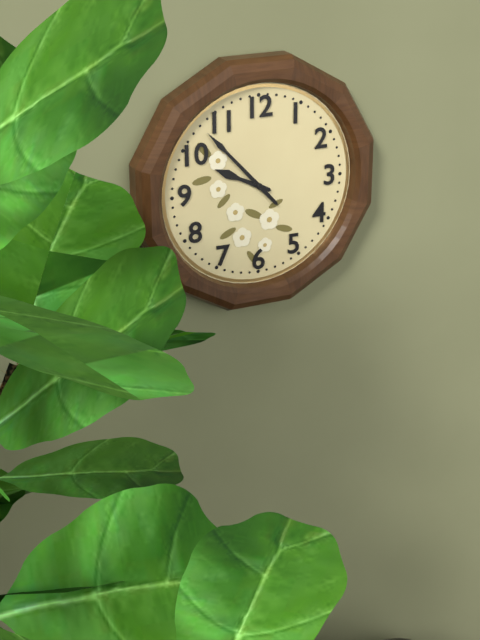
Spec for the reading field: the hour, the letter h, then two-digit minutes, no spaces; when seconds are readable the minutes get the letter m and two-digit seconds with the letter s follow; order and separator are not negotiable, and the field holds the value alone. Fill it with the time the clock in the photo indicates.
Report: 9h53
